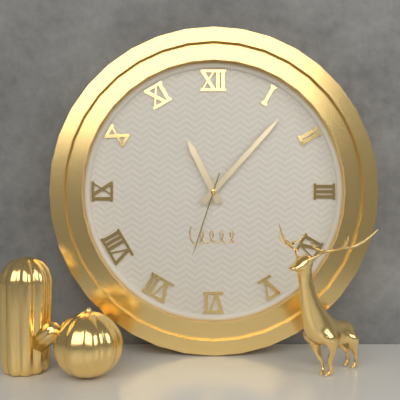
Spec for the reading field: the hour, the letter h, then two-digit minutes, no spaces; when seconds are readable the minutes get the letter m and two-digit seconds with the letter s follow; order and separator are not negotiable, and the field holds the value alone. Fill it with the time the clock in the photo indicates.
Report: 11h07m33s
